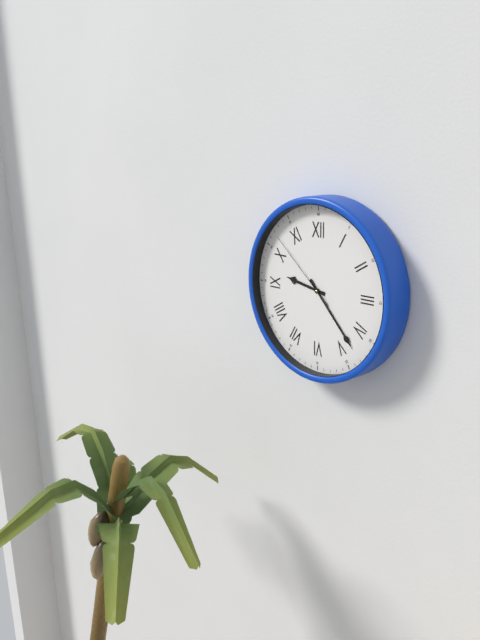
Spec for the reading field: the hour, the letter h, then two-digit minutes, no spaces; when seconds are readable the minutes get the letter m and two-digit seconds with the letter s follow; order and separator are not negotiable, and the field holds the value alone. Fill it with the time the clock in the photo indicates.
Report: 9h23m52s
